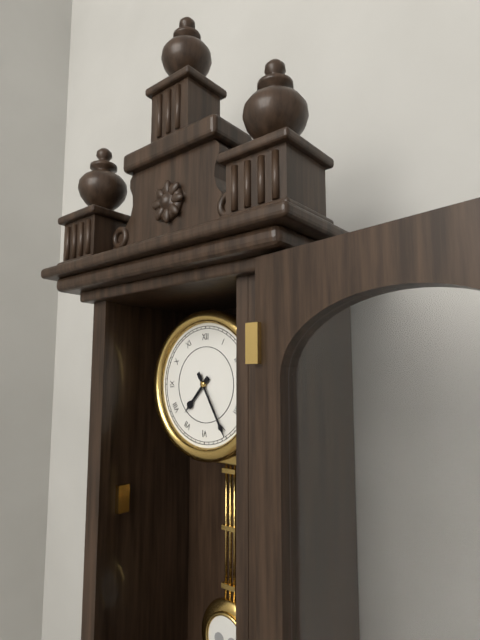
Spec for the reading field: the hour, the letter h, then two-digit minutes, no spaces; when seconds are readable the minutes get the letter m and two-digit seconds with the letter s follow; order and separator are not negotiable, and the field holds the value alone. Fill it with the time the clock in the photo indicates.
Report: 7h25
